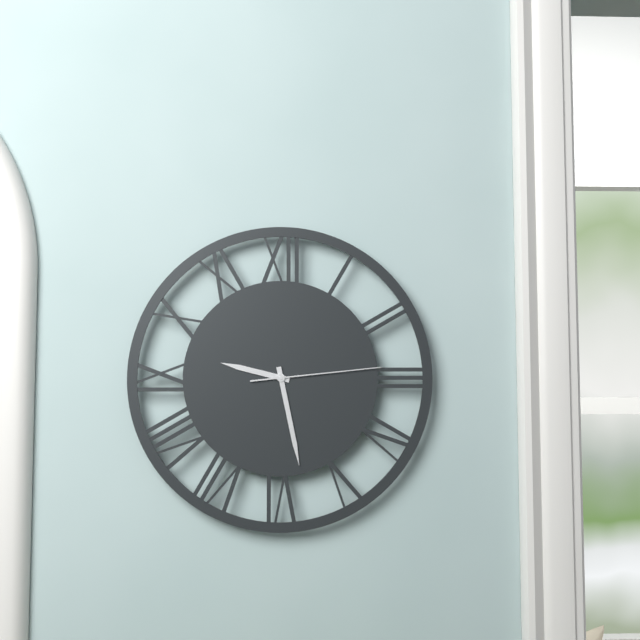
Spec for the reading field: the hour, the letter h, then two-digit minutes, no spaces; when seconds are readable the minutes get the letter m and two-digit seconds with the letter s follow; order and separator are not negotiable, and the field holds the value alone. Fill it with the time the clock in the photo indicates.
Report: 9h28m14s
